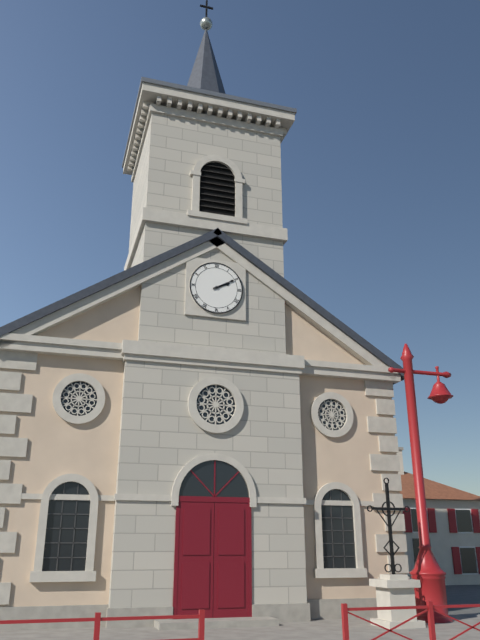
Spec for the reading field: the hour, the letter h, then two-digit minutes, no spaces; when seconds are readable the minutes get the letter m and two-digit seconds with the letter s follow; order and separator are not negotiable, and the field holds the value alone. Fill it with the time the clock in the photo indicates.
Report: 2h10
